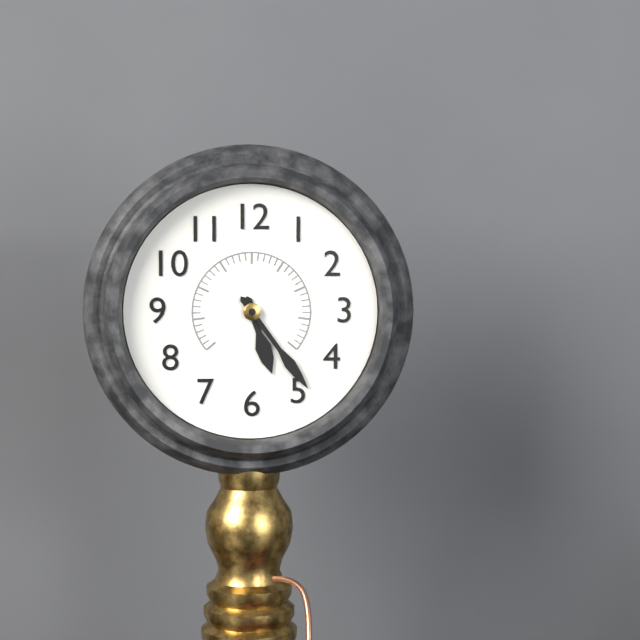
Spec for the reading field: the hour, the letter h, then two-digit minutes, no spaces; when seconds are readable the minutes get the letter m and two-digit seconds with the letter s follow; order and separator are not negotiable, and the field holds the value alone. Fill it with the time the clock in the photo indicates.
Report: 5h24
